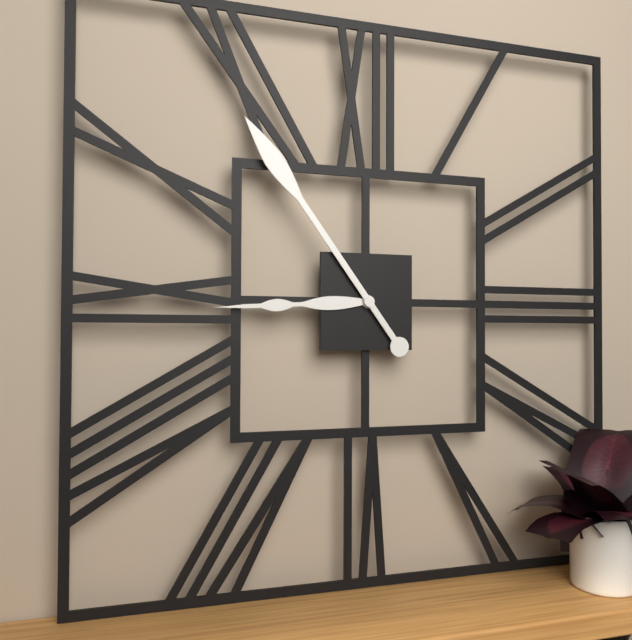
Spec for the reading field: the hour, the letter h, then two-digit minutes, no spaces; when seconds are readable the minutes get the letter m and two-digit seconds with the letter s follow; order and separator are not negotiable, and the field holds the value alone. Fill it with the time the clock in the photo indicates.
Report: 8h54
